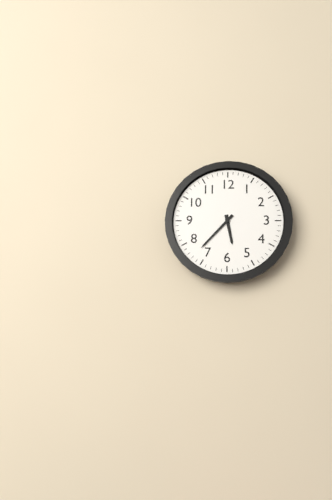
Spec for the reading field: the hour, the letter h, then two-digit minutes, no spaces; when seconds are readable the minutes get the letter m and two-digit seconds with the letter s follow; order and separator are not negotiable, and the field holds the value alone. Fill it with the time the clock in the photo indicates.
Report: 5h37
